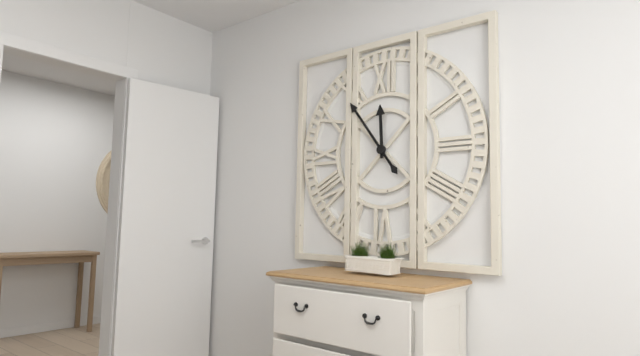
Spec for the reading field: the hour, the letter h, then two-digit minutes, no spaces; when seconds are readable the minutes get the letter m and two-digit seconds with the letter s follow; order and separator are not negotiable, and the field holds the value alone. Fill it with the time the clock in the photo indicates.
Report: 11h54
